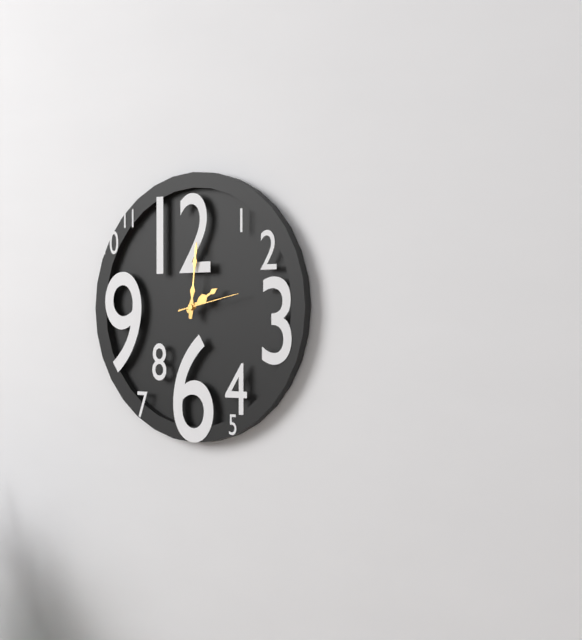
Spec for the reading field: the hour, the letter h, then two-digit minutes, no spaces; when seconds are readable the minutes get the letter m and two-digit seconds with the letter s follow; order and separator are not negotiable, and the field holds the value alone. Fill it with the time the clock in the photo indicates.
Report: 2h01m13s
